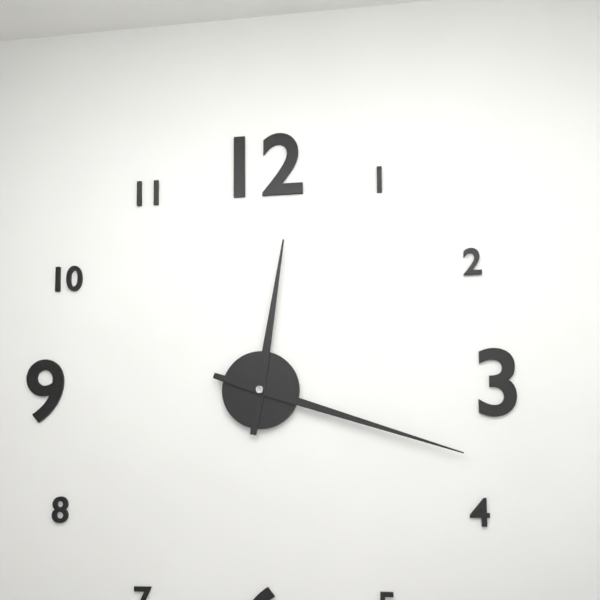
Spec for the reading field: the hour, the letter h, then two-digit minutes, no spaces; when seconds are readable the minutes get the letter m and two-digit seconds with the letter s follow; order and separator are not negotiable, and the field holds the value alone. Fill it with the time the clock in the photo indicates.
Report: 12h18
